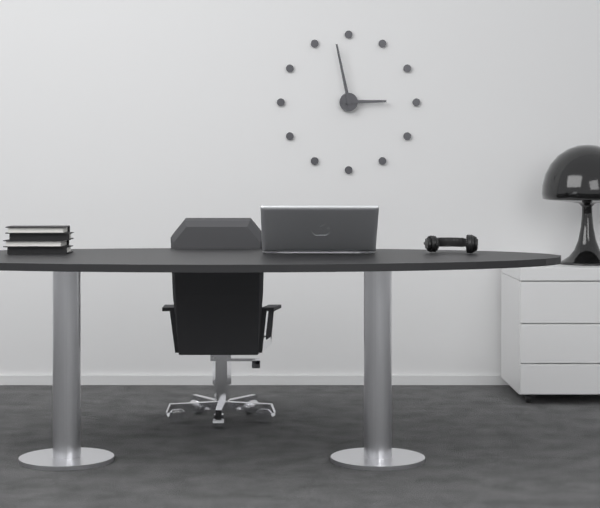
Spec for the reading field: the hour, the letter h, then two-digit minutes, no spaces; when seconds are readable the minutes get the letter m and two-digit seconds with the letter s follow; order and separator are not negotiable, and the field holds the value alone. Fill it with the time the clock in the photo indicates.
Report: 2h58
